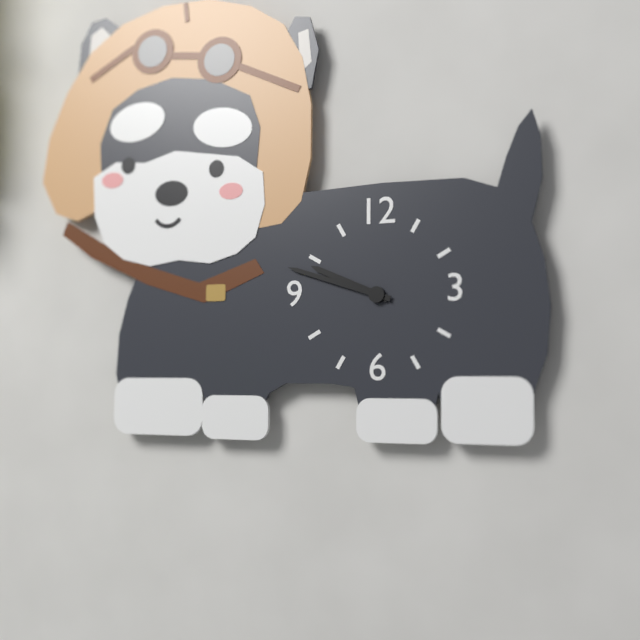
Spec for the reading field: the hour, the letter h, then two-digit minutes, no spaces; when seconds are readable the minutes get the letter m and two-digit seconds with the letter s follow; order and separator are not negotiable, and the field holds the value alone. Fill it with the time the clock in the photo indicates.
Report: 9h48
